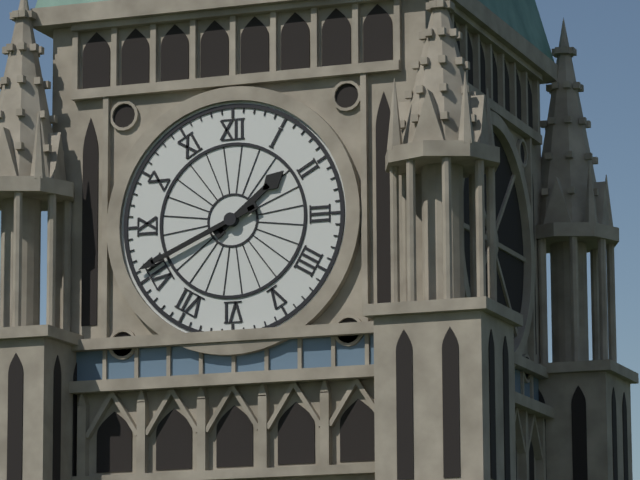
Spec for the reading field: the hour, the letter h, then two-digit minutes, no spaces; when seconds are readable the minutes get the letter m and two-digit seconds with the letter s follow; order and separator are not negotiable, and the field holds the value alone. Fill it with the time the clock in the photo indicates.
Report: 1h41
